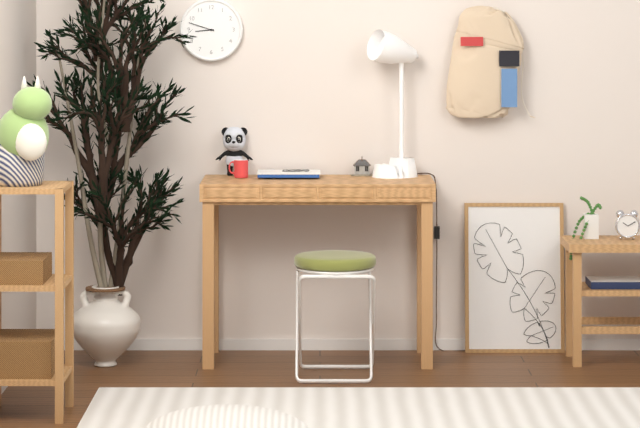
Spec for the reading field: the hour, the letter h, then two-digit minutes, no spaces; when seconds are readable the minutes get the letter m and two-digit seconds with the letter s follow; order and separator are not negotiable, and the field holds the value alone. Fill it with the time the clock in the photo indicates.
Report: 8h48
